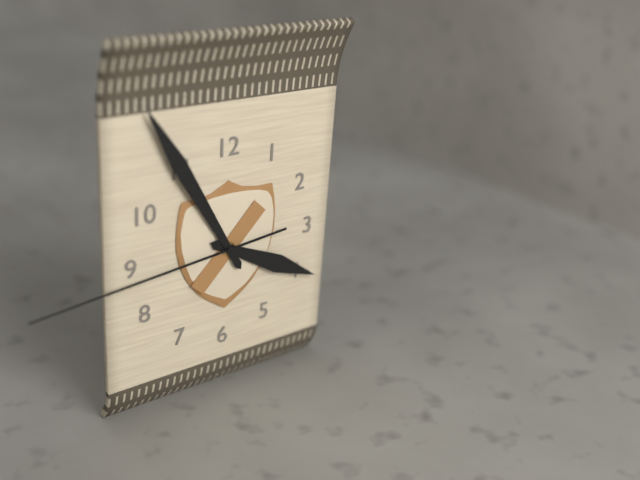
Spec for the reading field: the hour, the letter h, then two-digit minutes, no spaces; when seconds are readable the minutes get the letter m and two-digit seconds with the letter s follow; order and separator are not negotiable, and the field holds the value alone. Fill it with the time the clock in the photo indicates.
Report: 3h55m44s
